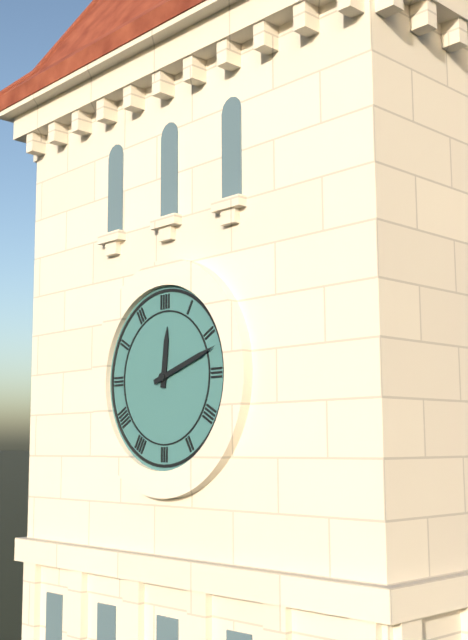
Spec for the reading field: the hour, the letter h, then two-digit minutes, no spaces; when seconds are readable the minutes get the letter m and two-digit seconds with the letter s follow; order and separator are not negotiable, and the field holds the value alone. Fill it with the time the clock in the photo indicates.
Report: 12h12
